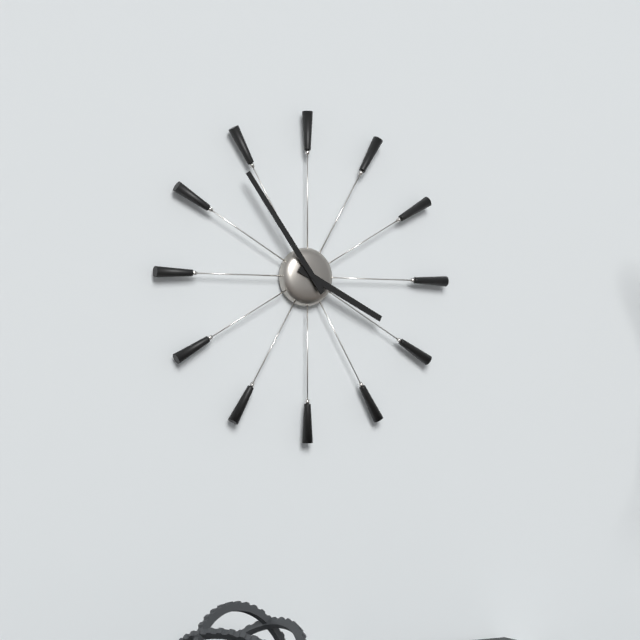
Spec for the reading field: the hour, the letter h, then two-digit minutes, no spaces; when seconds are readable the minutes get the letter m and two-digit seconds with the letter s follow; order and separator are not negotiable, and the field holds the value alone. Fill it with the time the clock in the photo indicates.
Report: 3h54
